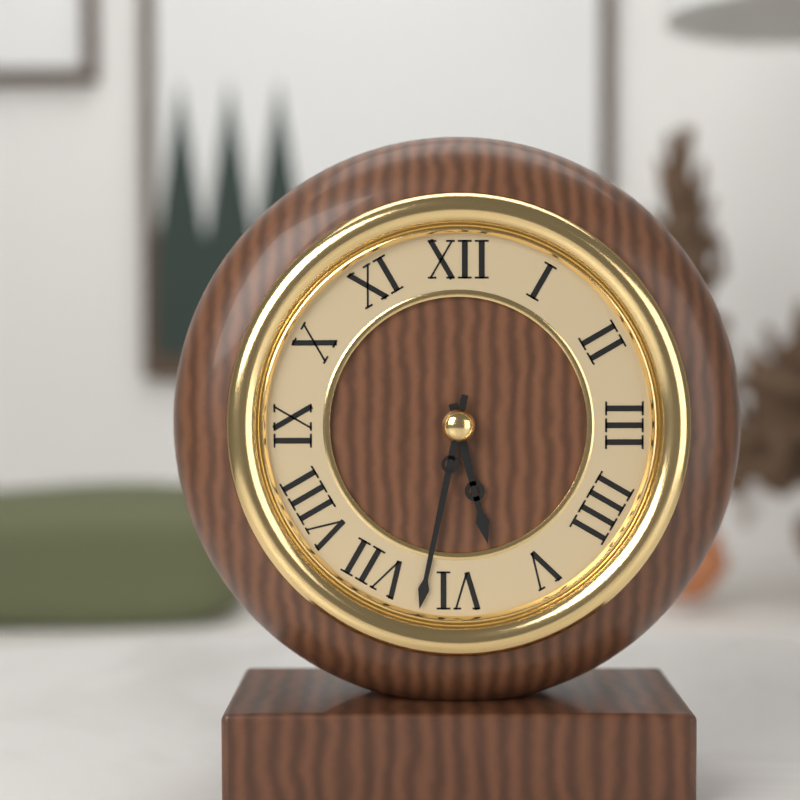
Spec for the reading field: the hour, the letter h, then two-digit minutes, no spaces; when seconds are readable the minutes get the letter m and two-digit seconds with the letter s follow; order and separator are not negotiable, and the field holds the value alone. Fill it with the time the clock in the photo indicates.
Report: 5h32
